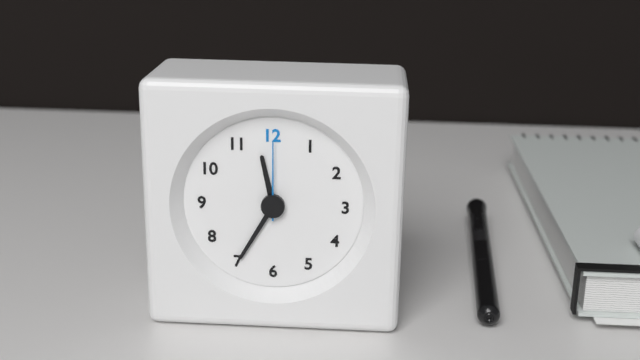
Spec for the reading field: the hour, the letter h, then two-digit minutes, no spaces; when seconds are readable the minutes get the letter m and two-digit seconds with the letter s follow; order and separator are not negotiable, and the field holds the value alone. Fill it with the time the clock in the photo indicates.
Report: 11h35m00s
